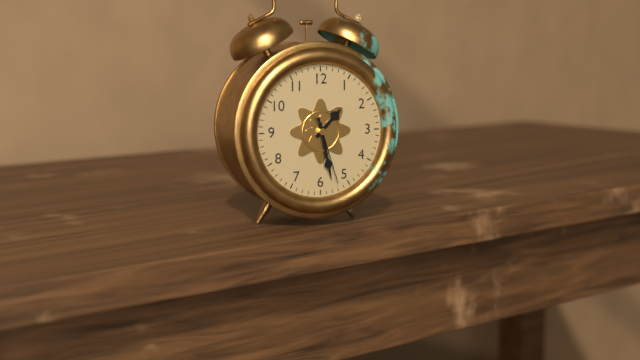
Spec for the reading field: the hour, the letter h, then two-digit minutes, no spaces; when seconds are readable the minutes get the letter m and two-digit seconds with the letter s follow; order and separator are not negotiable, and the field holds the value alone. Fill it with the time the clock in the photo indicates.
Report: 1h28m27s
